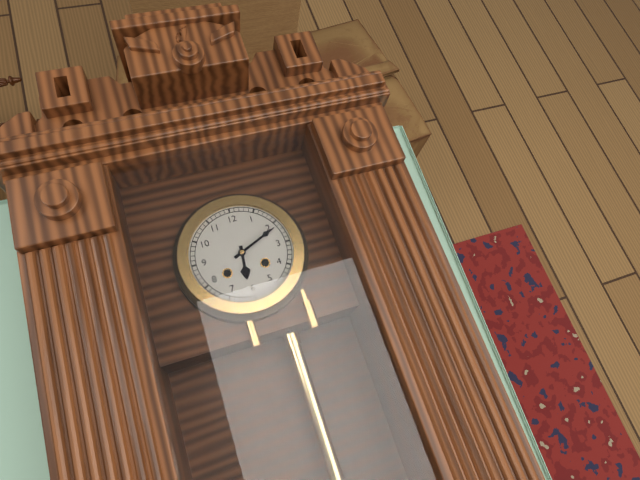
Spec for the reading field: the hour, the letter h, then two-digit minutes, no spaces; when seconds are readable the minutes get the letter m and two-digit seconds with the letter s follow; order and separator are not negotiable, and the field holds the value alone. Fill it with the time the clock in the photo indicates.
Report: 6h11
